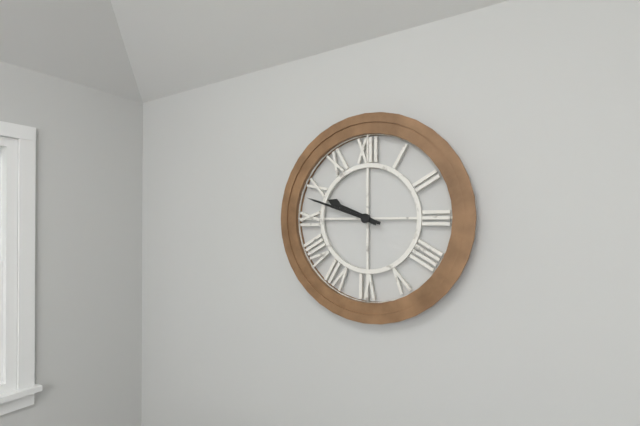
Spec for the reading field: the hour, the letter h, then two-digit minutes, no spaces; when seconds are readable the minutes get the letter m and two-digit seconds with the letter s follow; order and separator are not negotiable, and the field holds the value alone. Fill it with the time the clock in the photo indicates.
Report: 9h48
